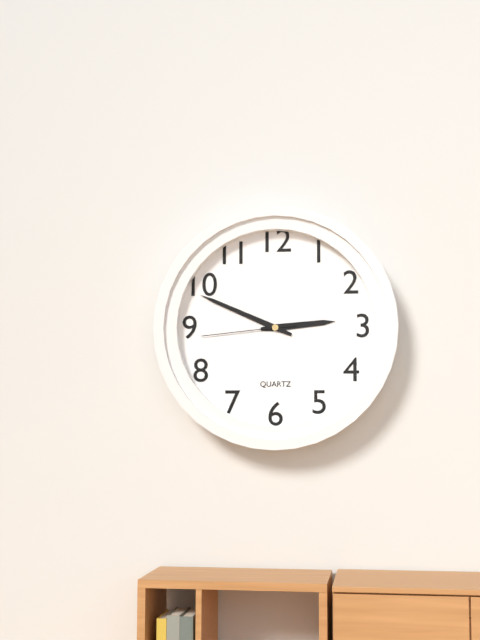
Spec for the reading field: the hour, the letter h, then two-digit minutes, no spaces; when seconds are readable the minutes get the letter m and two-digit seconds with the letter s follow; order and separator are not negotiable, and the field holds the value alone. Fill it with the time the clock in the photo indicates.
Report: 2h49m44s
